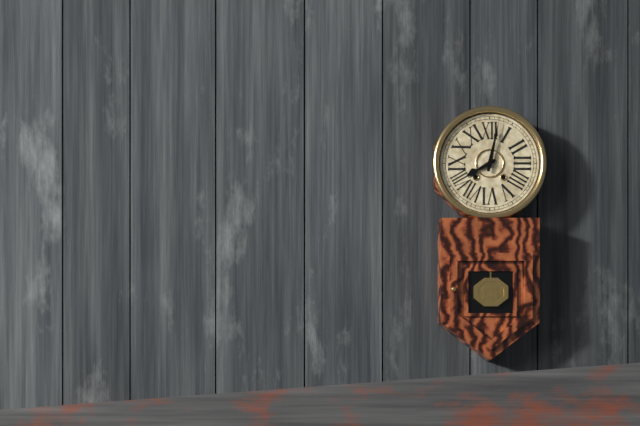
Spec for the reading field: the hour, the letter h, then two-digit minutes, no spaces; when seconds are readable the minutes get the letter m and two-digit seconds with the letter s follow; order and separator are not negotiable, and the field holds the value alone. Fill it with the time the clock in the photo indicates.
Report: 8h02
